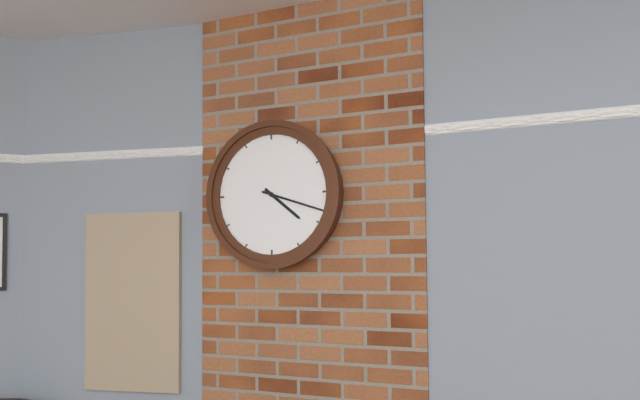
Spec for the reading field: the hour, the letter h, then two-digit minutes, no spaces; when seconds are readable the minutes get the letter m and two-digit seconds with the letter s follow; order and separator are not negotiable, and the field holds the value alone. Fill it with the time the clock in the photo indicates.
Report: 4h18
